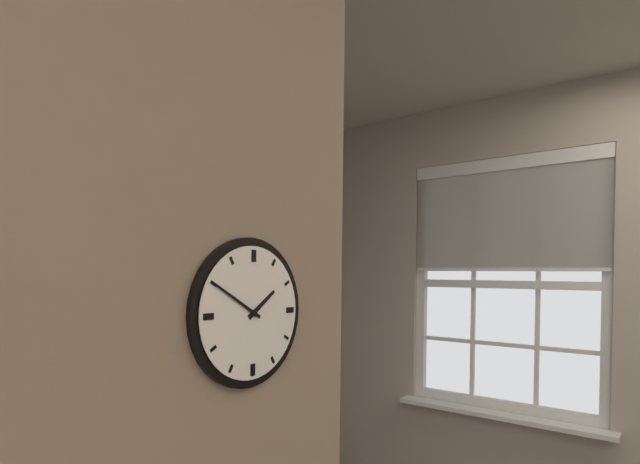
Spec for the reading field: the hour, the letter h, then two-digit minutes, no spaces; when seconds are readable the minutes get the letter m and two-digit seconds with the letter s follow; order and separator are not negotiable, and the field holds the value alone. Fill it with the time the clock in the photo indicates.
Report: 1h50
